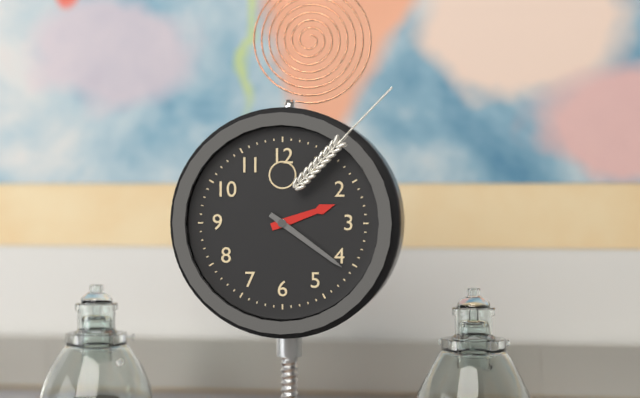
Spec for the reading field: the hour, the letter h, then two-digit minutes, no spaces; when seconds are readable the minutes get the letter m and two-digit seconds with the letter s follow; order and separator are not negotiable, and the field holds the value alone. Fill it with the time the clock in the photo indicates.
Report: 2h21
